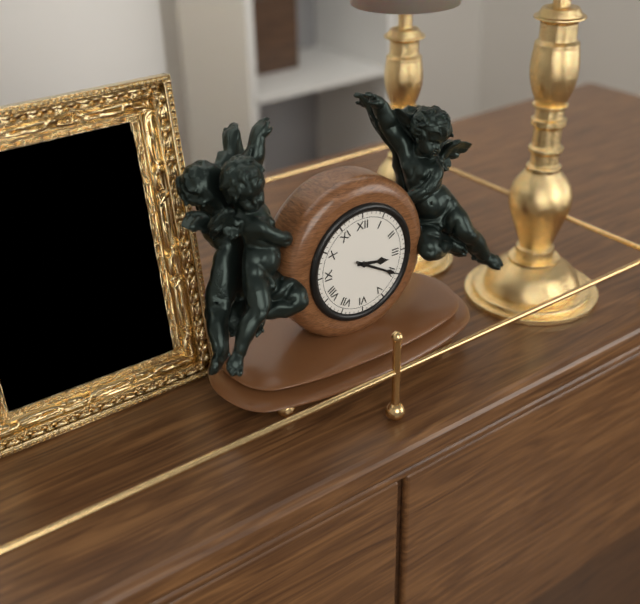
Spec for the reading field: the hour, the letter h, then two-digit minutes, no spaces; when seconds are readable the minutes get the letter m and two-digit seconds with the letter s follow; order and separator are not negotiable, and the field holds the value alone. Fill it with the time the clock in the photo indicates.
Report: 3h20
